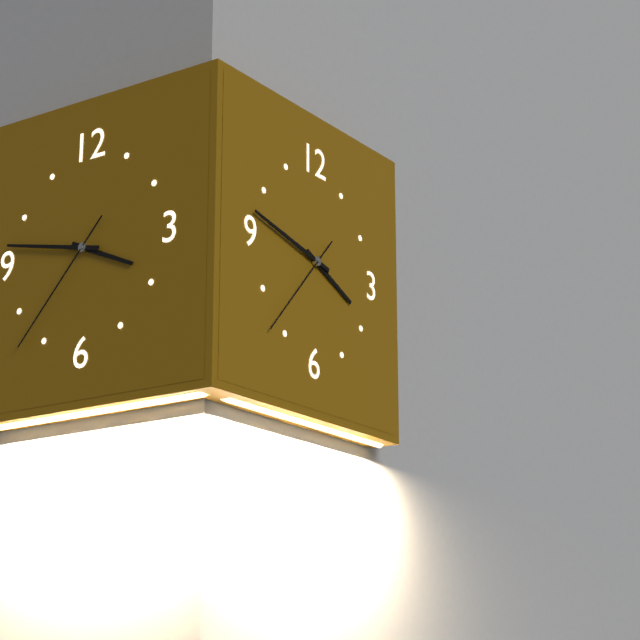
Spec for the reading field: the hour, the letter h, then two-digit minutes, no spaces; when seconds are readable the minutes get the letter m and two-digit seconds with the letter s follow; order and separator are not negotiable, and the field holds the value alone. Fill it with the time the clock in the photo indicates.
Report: 3h47m37s
